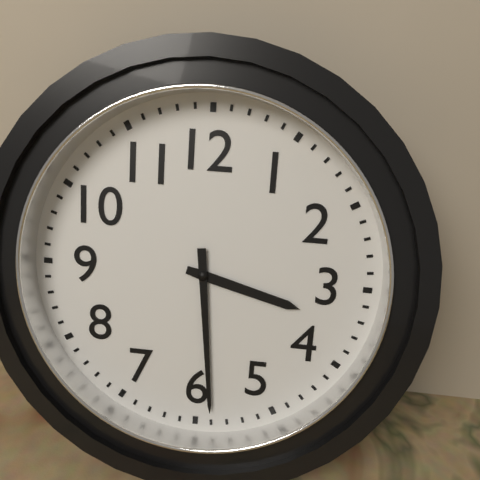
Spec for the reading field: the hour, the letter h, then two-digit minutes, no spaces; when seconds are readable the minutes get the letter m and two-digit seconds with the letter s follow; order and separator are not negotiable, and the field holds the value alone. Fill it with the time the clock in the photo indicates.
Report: 3h29
